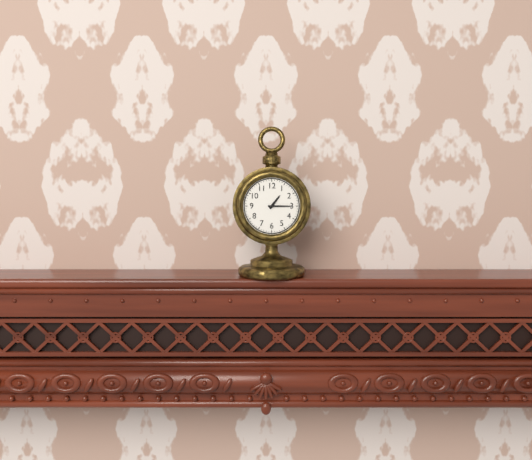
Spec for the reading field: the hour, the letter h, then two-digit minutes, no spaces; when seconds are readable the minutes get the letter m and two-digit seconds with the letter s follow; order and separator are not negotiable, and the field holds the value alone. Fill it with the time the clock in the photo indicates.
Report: 1h15
